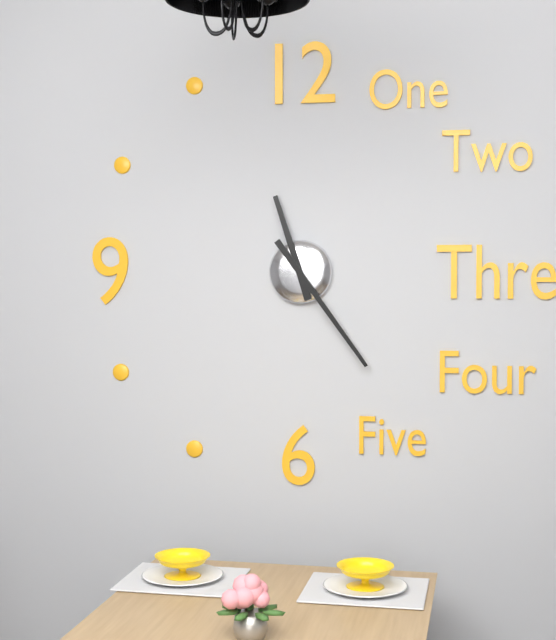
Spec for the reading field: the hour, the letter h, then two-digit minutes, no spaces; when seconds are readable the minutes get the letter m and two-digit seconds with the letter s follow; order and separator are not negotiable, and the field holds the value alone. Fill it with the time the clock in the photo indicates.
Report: 11h24
